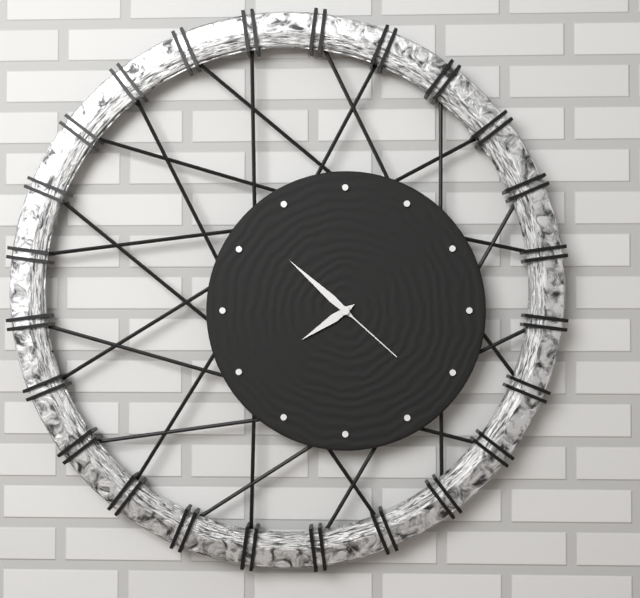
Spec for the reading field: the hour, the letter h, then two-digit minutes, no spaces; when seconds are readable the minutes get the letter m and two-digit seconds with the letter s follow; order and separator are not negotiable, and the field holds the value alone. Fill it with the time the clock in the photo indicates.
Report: 7h52m22s
